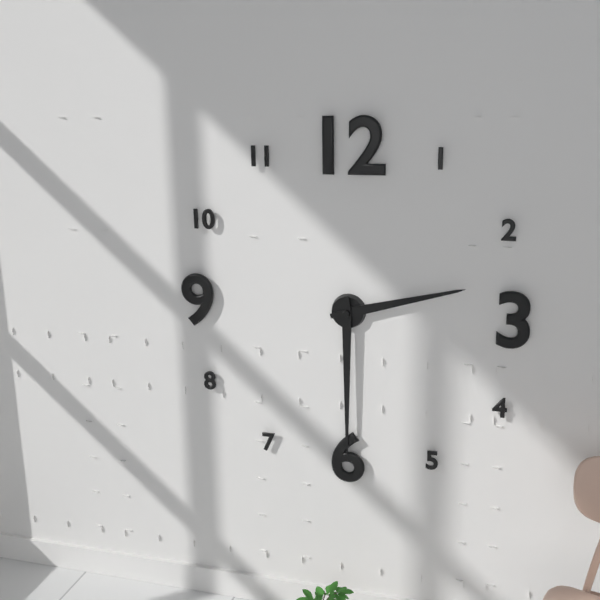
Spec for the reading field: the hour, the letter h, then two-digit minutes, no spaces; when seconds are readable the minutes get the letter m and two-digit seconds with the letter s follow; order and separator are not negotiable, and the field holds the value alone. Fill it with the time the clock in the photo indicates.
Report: 2h30
